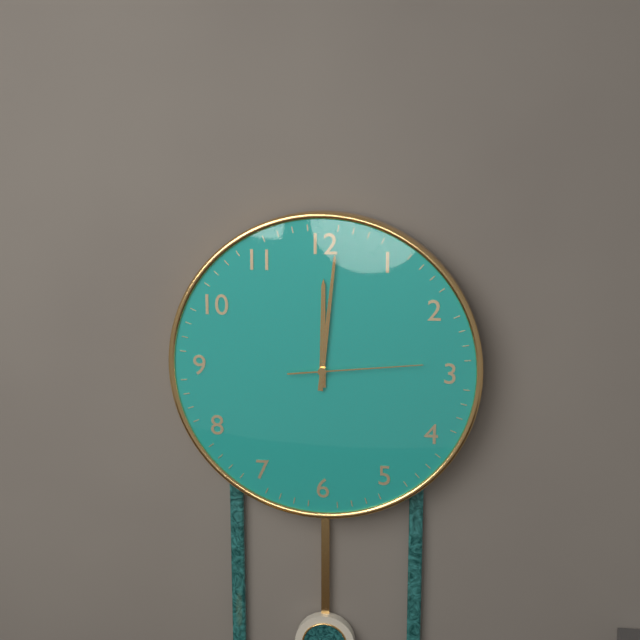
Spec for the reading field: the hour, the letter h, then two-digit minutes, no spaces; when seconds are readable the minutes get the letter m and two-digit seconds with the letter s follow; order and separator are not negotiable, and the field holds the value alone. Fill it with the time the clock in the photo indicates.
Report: 12h01m14s
